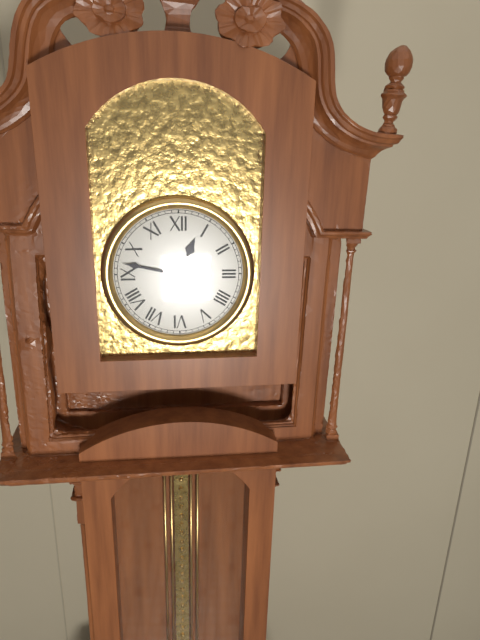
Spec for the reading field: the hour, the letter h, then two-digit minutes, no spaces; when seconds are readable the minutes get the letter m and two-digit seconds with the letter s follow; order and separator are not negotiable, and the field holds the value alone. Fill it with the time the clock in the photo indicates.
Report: 12h47
